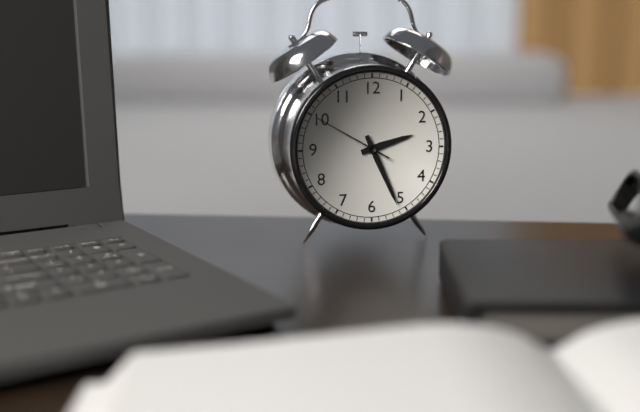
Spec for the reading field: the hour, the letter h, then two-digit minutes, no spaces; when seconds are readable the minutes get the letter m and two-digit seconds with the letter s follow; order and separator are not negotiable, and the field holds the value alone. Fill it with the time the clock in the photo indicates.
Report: 2h26m50s
